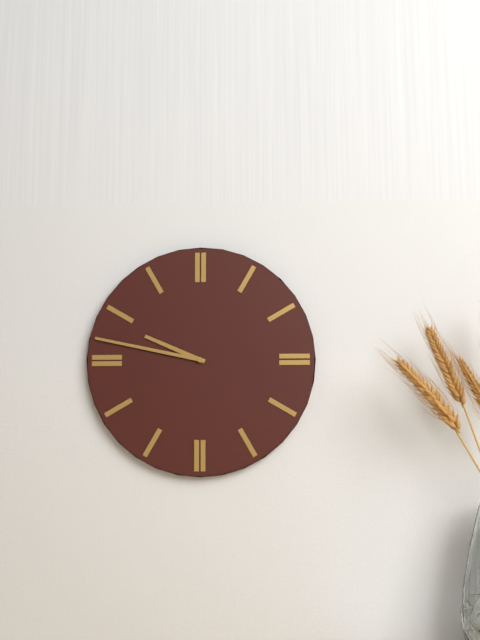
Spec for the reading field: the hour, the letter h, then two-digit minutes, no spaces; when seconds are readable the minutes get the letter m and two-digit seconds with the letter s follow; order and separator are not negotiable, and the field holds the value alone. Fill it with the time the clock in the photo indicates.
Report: 9h47
